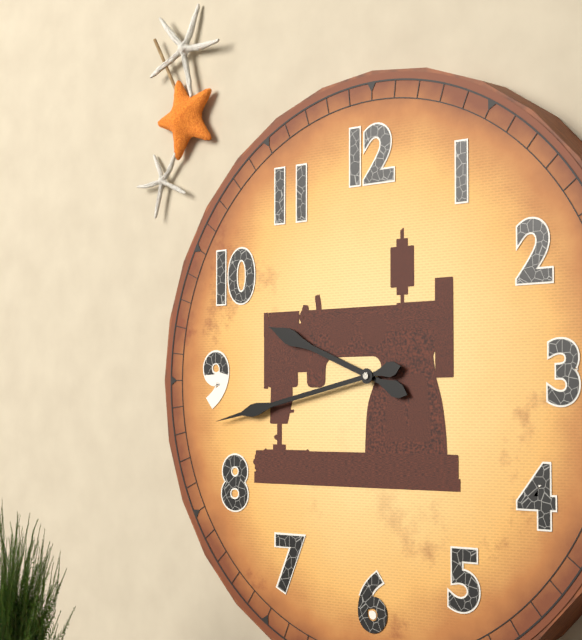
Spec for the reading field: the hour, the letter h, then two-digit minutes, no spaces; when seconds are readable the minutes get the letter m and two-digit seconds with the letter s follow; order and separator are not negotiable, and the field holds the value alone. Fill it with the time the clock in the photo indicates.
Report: 9h43
